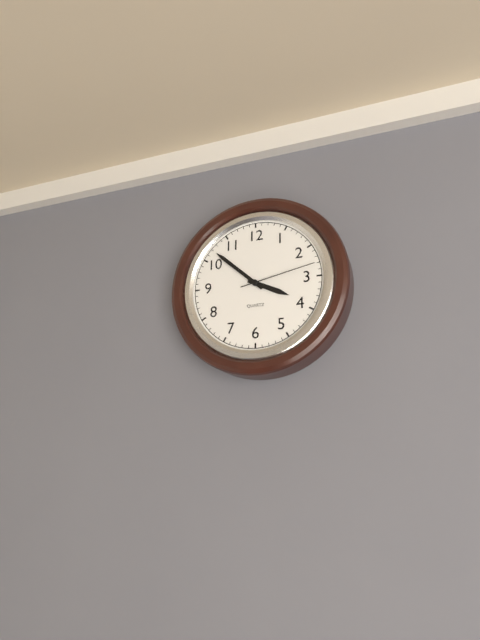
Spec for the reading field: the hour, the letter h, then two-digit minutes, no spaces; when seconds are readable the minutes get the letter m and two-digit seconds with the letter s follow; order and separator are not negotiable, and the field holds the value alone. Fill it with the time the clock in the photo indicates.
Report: 3h52m13s
